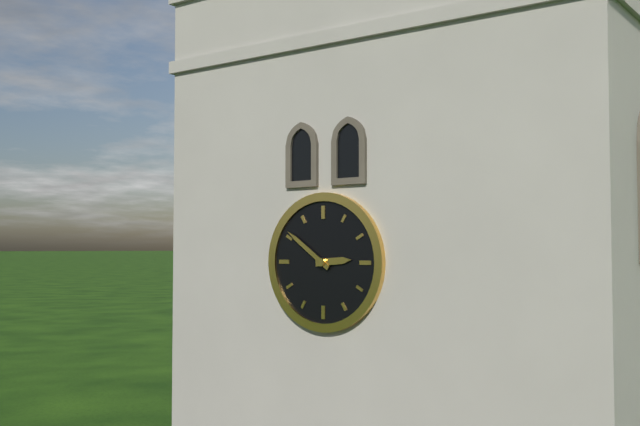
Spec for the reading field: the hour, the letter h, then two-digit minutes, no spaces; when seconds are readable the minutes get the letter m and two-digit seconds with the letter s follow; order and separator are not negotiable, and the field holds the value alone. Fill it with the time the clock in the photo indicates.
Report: 2h51
